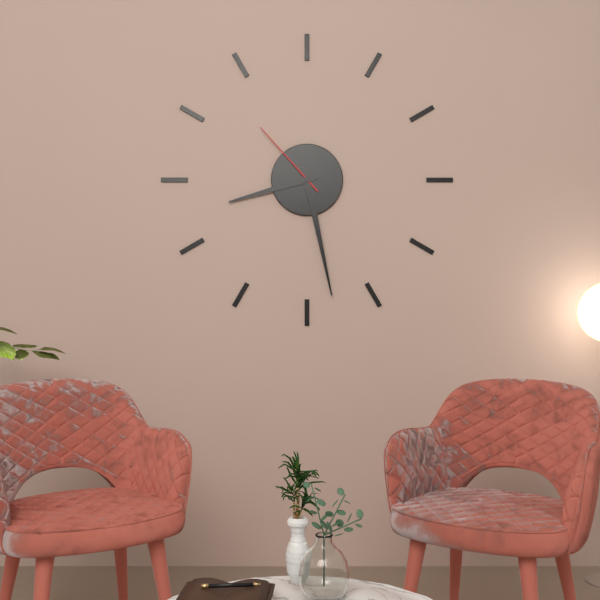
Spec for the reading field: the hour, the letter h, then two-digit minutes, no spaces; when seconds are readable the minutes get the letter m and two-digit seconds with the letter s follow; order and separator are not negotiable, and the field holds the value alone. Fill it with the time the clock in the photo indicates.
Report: 8h28m53s
